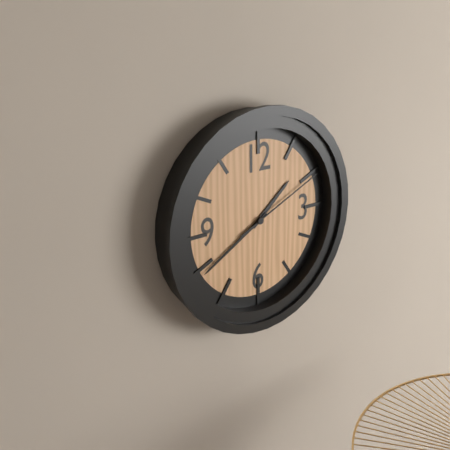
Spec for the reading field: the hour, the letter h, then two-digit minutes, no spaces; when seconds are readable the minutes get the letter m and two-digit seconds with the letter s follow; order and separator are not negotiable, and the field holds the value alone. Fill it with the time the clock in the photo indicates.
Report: 1h40m11s
